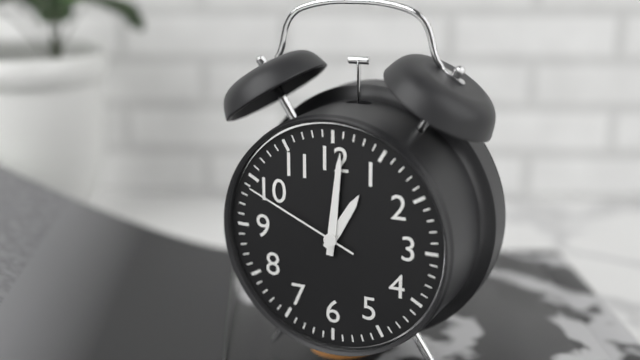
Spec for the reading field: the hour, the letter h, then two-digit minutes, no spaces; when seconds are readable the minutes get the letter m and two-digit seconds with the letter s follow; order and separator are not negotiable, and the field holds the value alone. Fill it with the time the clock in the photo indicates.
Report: 1h01m49s
